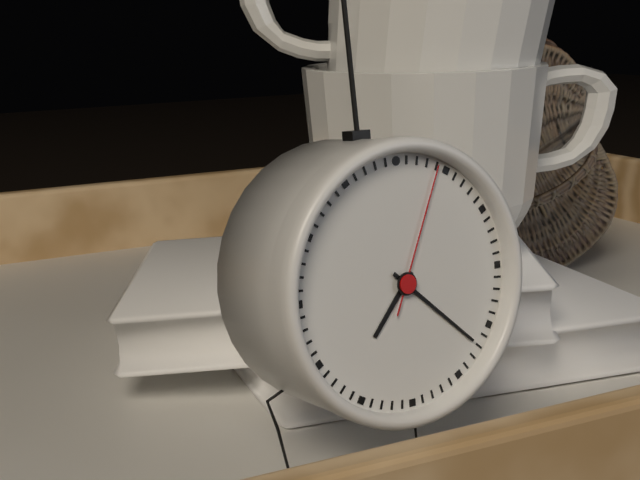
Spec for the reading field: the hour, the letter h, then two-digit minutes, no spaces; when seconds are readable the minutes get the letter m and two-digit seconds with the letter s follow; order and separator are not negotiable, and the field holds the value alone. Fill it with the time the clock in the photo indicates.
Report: 7h22m04s
